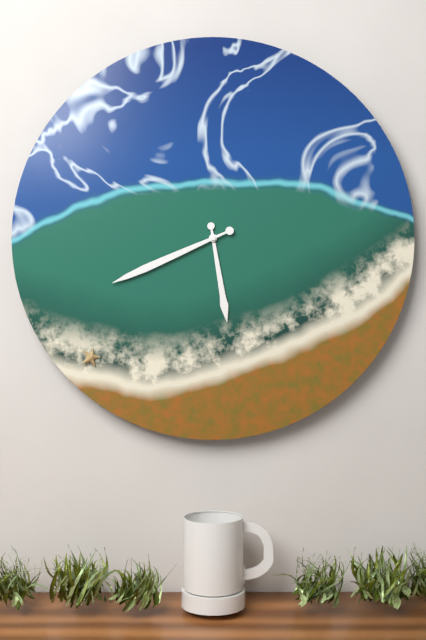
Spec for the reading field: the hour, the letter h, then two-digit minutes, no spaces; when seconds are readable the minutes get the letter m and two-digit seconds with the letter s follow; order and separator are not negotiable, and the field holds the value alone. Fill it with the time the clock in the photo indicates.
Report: 5h41
